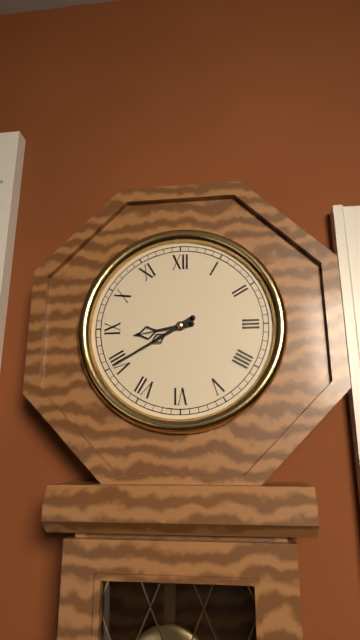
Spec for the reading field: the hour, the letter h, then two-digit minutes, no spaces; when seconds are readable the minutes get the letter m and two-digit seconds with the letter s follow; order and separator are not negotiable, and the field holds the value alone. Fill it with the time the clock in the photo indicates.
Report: 8h40
